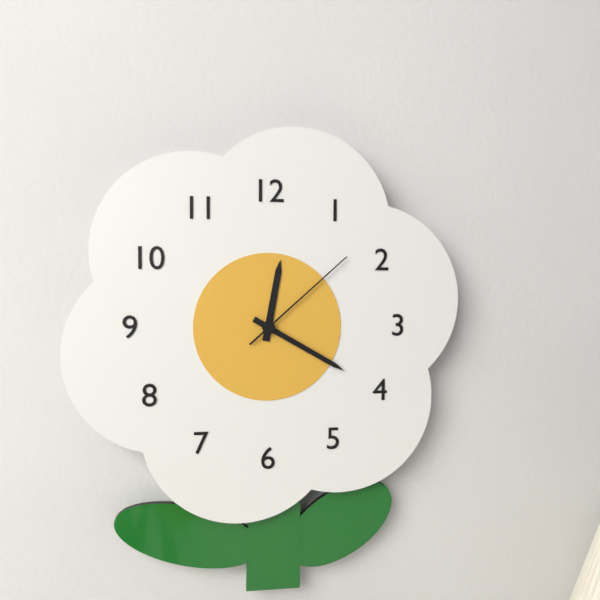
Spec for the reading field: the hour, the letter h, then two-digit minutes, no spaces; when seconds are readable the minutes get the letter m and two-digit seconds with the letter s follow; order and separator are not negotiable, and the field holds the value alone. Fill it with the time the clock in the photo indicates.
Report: 12h20m08s
